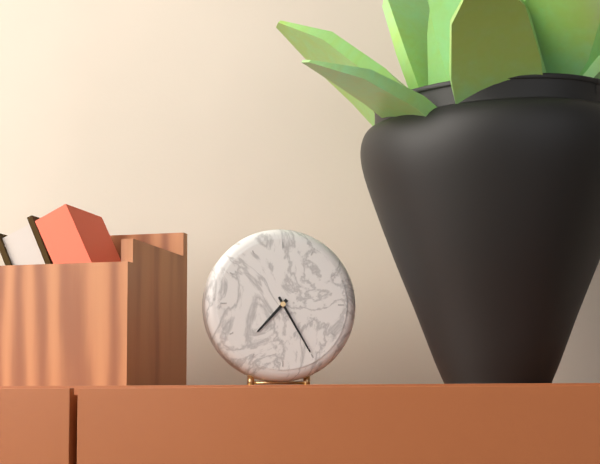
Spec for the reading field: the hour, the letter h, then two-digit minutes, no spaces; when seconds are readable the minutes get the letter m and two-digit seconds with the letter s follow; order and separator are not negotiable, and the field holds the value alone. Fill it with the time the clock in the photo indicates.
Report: 7h25
